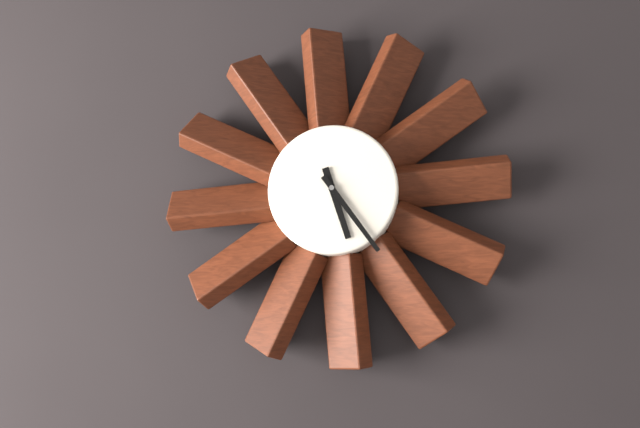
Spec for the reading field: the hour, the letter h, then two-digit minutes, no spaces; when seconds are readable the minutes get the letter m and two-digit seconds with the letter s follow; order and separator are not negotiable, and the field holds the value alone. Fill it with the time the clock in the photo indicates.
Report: 5h24
